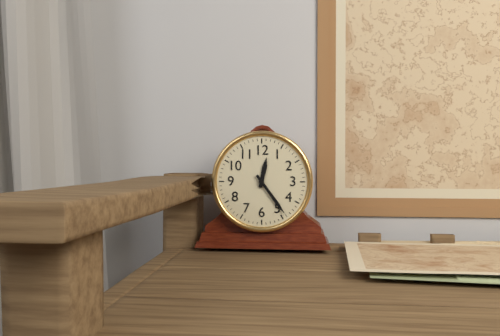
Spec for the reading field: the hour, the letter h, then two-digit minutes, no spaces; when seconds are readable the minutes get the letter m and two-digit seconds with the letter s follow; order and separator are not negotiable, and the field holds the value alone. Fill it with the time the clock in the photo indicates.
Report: 12h24
